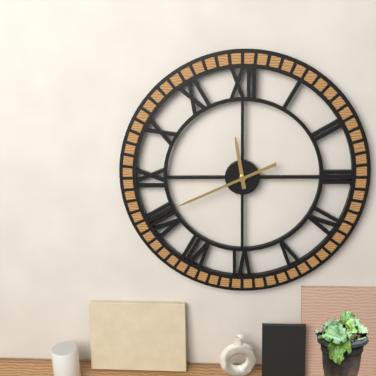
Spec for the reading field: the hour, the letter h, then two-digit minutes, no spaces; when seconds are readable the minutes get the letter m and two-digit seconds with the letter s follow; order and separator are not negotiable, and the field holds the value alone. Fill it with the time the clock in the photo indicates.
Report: 11h41
